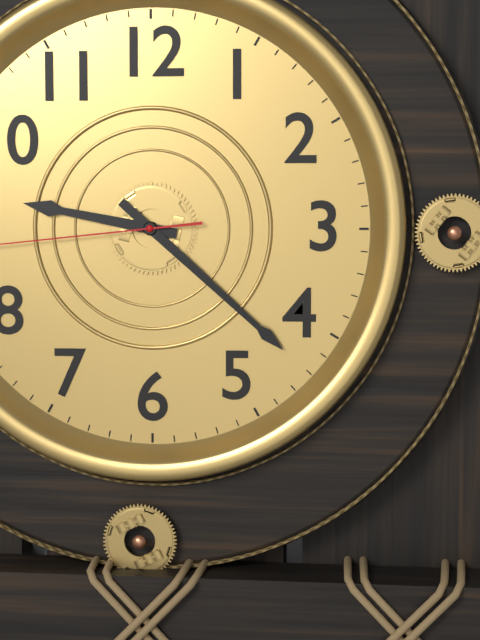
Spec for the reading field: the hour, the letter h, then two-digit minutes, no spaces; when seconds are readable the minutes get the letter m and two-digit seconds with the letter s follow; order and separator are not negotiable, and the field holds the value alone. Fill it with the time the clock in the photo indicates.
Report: 9h22
